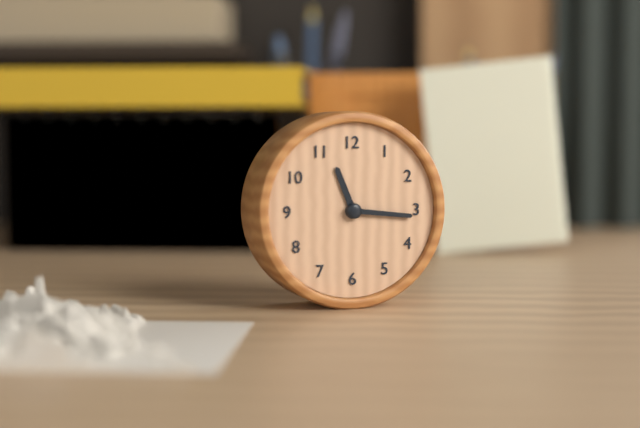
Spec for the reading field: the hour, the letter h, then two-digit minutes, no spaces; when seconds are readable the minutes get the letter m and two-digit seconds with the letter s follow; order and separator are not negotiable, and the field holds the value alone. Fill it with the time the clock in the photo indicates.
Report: 11h16
